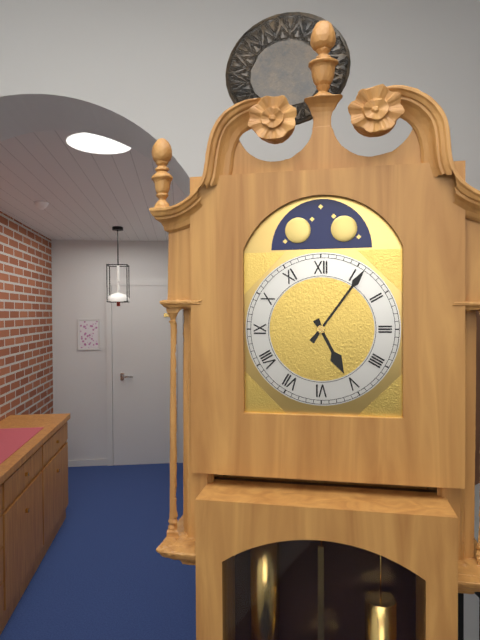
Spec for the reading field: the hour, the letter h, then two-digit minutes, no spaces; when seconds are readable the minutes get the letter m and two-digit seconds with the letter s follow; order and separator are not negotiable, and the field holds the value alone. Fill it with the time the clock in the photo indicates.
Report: 5h06
